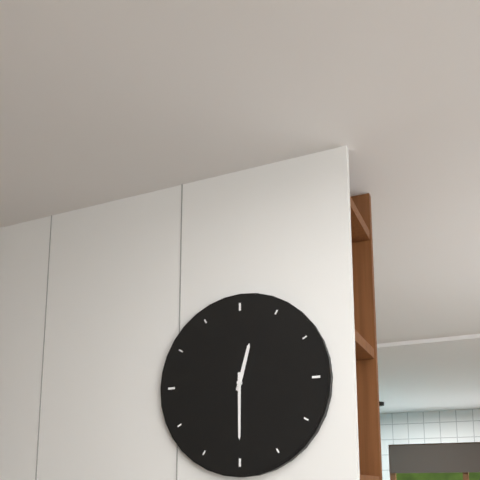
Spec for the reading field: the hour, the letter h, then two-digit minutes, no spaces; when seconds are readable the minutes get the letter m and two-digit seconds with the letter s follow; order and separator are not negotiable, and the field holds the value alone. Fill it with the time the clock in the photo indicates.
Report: 12h30
